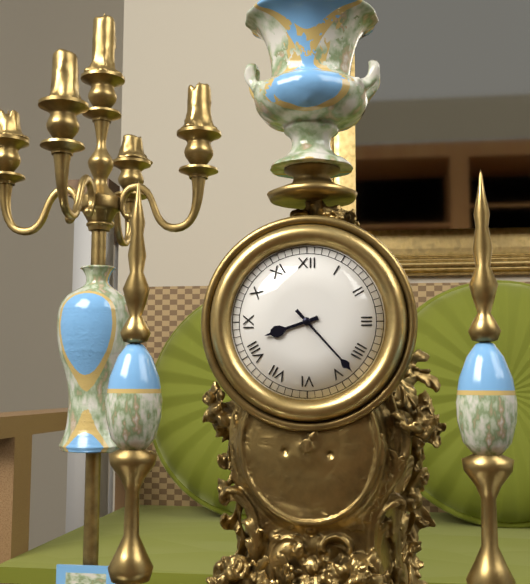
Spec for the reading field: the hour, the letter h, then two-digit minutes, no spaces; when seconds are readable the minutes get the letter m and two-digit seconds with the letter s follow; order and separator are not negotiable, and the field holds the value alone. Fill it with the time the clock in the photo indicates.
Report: 8h23
